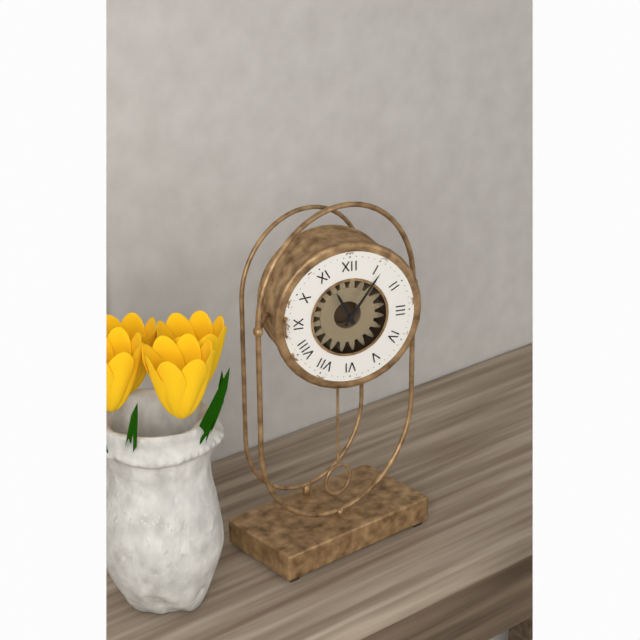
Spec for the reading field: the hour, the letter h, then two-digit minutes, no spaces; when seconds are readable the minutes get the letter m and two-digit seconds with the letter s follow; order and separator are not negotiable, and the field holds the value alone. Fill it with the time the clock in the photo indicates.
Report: 11h06
